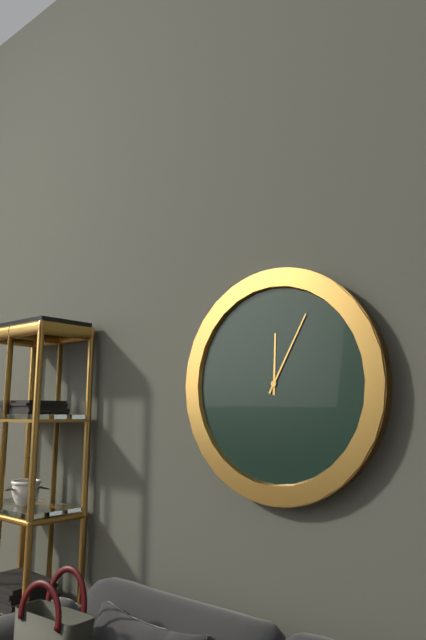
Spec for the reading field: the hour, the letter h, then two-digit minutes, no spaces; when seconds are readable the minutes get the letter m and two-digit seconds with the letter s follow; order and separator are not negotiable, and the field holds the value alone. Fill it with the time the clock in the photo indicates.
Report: 12h05
